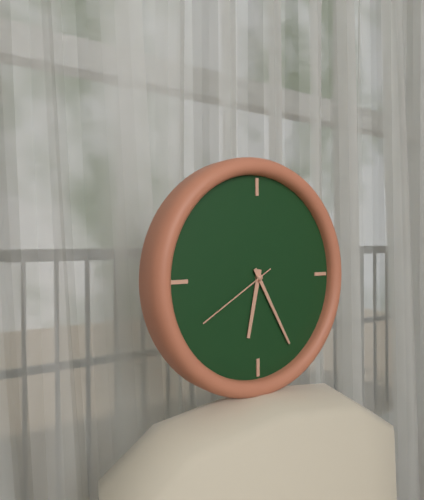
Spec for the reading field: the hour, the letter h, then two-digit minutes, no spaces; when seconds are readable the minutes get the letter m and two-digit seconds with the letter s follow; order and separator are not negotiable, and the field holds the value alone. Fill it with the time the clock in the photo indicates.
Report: 6h25m40s
